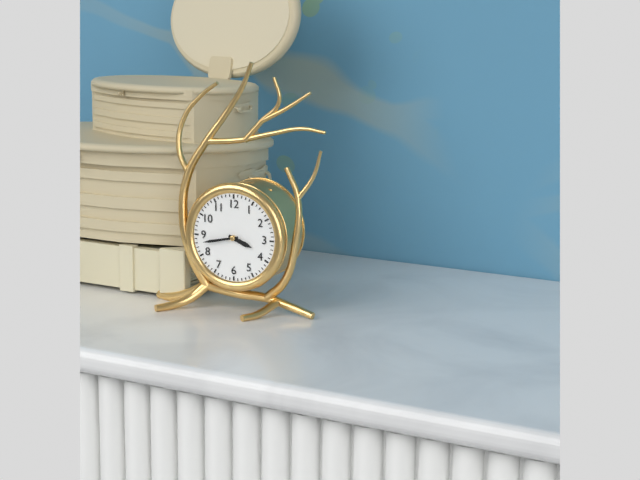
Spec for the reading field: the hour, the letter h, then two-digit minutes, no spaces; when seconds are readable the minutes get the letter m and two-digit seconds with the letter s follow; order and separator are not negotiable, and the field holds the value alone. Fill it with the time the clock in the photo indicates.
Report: 3h43
